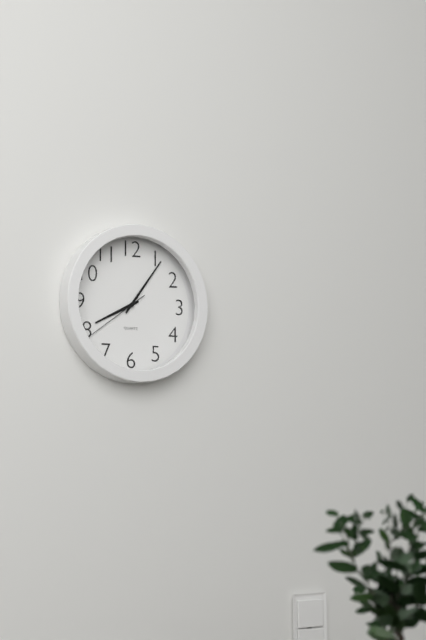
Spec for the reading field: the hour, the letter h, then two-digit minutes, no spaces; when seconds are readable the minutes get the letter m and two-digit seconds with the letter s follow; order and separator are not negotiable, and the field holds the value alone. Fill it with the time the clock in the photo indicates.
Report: 8h06m39s
